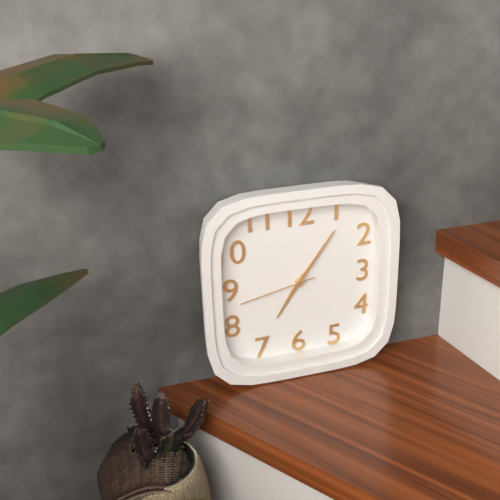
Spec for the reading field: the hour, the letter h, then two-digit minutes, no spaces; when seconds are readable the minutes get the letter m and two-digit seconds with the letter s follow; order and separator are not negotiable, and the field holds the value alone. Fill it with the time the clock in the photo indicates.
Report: 7h06m43s
